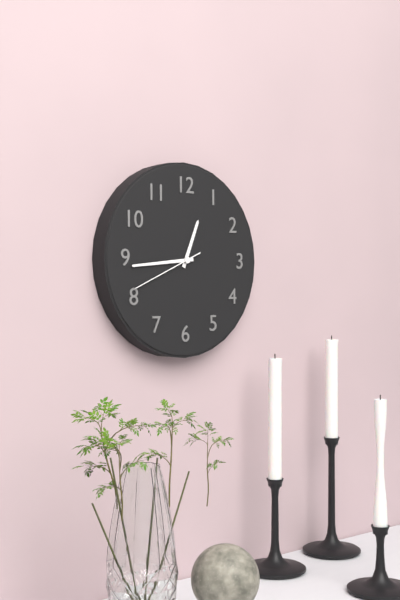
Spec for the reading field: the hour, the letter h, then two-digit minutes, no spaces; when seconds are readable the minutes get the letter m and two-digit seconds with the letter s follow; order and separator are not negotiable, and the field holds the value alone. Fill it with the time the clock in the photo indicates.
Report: 12h44m41s
